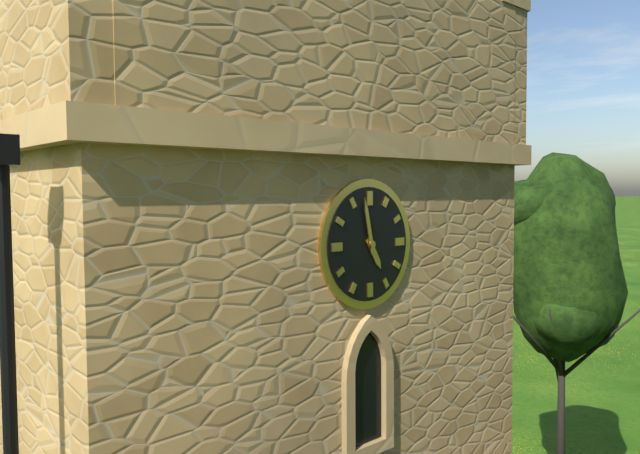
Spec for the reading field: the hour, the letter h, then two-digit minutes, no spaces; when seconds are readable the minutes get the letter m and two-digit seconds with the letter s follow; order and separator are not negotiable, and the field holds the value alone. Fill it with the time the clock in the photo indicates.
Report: 4h58
